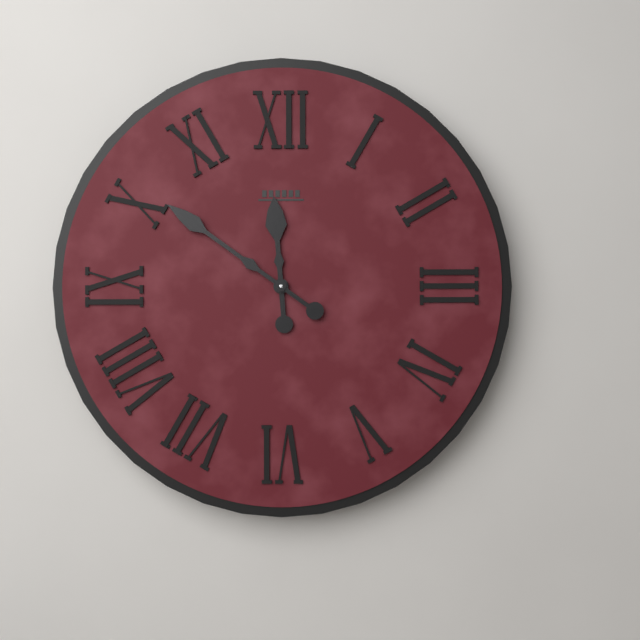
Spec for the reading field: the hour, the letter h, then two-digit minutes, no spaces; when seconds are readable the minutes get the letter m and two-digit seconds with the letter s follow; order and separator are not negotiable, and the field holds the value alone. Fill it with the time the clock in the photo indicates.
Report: 11h51
